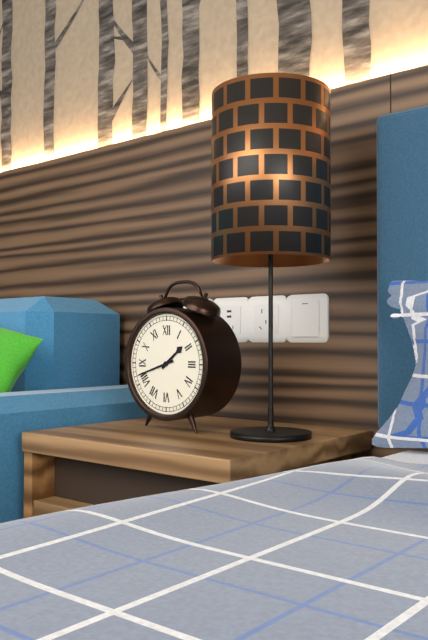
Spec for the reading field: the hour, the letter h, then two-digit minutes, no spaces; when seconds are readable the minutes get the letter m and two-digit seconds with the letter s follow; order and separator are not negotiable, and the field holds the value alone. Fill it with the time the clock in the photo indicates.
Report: 1h42
